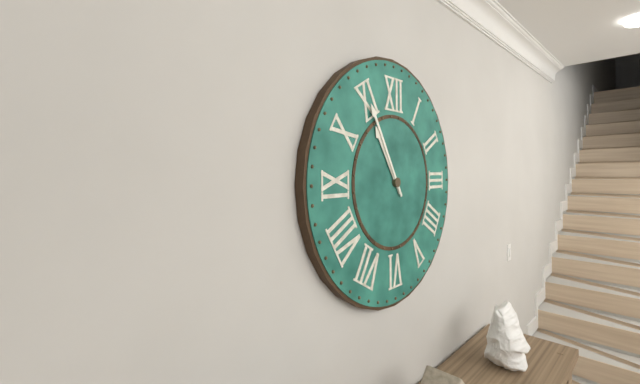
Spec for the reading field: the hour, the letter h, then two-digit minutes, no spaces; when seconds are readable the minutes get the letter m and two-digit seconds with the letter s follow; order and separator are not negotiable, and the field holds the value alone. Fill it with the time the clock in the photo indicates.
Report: 10h55
